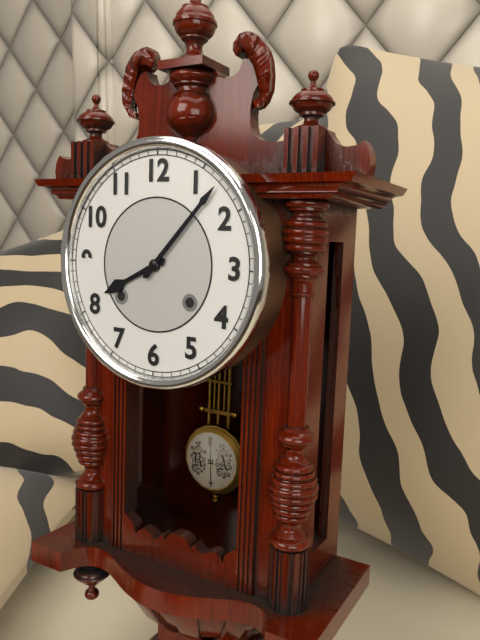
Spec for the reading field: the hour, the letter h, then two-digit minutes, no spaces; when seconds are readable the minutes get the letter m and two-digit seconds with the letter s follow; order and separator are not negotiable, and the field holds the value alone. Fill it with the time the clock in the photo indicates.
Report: 8h07
